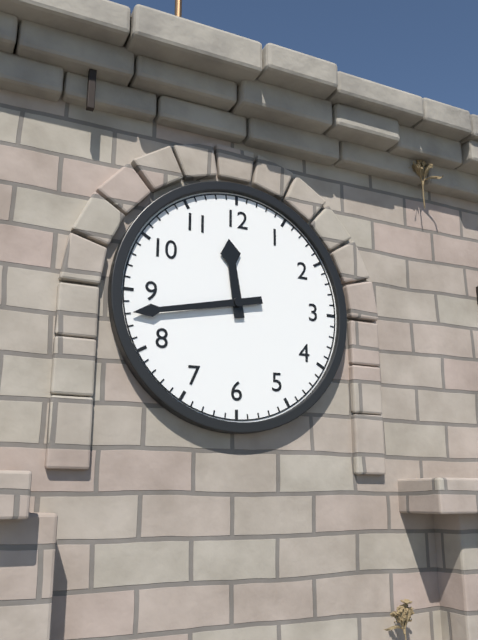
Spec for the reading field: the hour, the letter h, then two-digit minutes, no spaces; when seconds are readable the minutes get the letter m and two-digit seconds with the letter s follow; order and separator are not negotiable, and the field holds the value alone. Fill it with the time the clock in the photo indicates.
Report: 11h43
